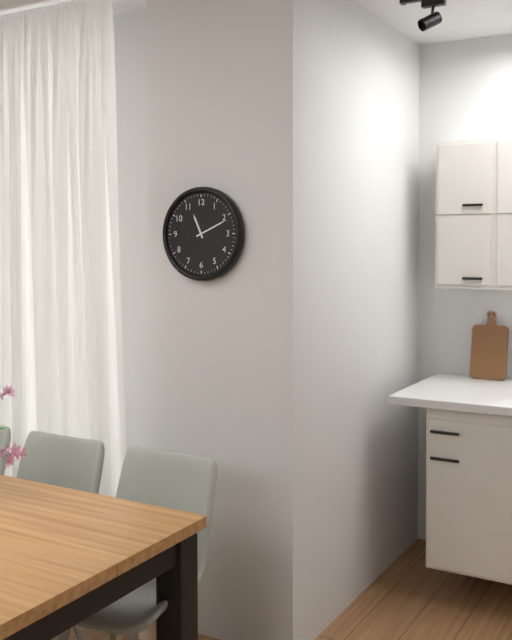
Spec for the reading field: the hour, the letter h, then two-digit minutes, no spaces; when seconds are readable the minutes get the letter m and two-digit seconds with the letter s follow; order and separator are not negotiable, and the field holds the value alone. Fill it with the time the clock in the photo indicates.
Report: 11h11
